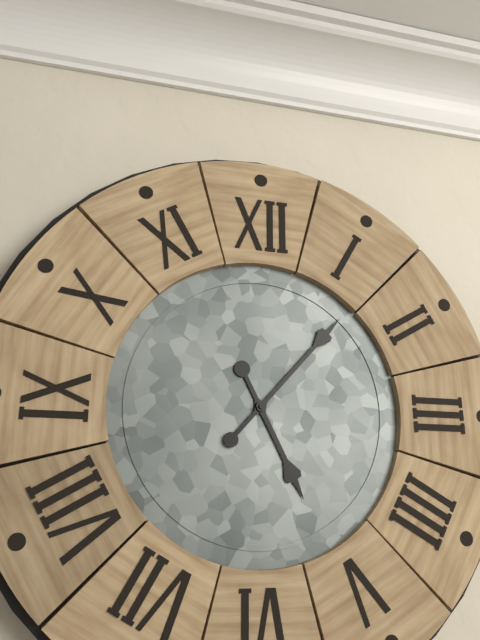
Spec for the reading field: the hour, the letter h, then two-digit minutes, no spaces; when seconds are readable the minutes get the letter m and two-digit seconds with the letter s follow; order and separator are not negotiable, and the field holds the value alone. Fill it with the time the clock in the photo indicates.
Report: 5h07
